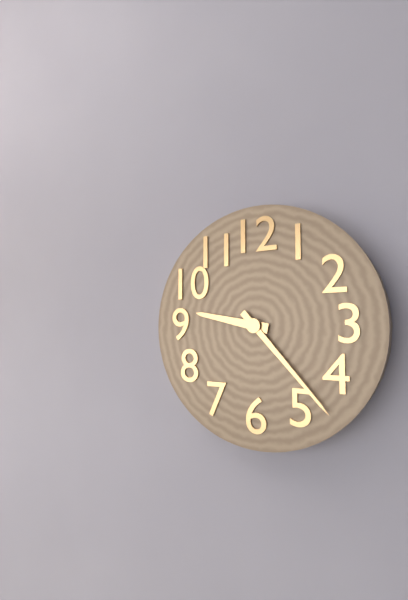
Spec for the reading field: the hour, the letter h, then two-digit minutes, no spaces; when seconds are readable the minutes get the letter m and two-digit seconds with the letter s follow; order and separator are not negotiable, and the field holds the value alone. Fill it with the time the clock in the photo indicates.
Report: 9h23
